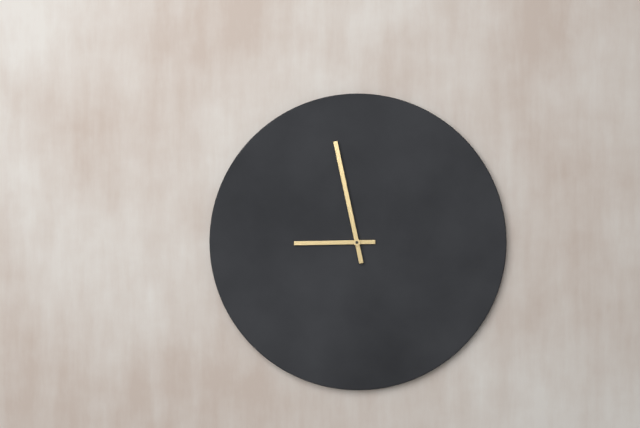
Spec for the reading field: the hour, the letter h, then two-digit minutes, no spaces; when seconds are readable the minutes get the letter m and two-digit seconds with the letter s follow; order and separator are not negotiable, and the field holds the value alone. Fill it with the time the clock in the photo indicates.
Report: 8h58
